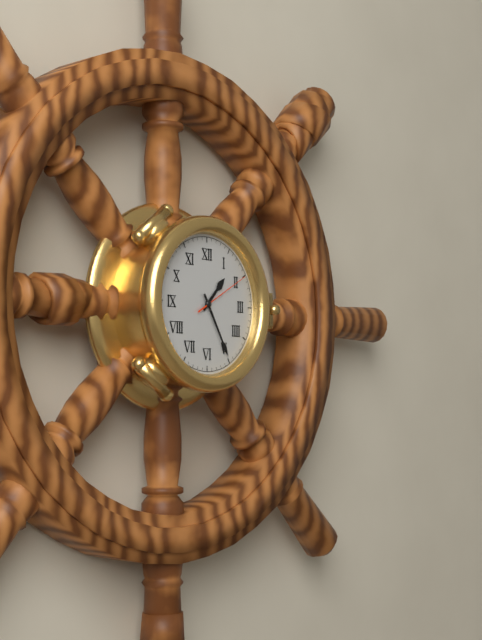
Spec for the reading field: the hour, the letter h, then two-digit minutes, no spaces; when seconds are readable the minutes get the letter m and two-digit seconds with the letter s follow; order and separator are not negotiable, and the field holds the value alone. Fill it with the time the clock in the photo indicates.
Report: 1h25m10s
